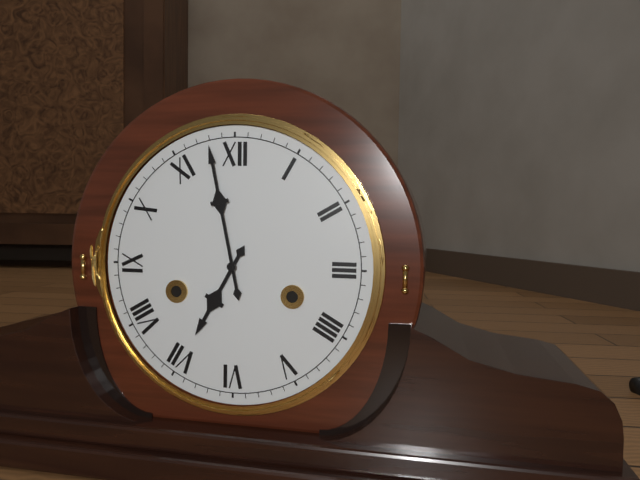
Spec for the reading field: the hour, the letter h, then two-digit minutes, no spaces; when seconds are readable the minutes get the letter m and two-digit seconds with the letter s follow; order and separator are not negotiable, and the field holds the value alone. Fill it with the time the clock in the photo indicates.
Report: 6h58
